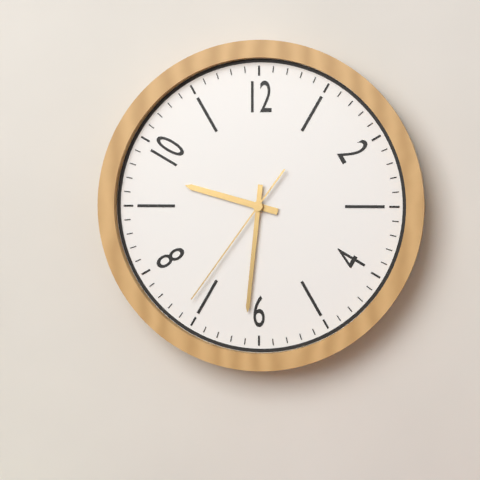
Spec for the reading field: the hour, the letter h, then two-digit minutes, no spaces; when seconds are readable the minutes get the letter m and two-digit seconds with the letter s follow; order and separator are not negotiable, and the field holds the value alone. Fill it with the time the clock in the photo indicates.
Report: 9h31m36s
